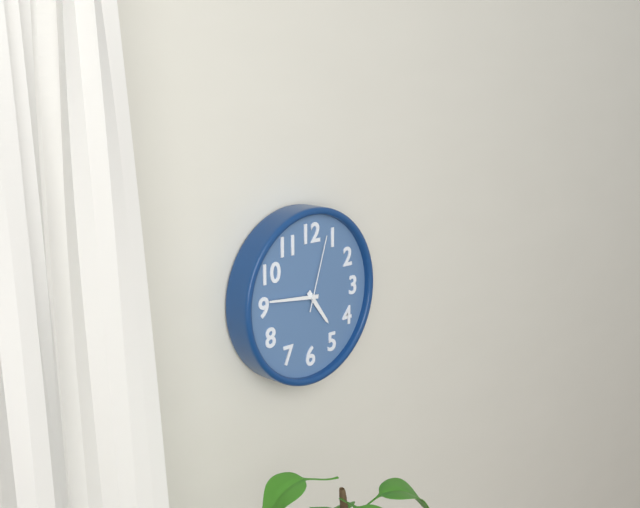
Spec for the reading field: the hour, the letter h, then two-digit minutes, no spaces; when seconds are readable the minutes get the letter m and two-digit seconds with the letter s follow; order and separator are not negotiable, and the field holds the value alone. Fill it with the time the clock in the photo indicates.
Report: 4h46m03s
